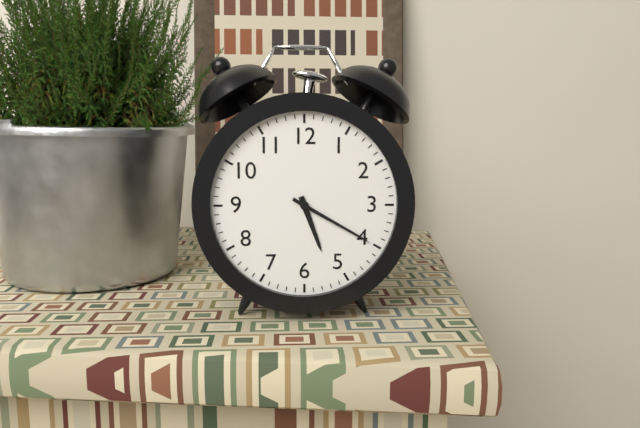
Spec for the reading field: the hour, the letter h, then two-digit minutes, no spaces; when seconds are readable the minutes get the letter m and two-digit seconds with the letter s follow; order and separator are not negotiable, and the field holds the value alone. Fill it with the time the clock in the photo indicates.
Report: 5h20
